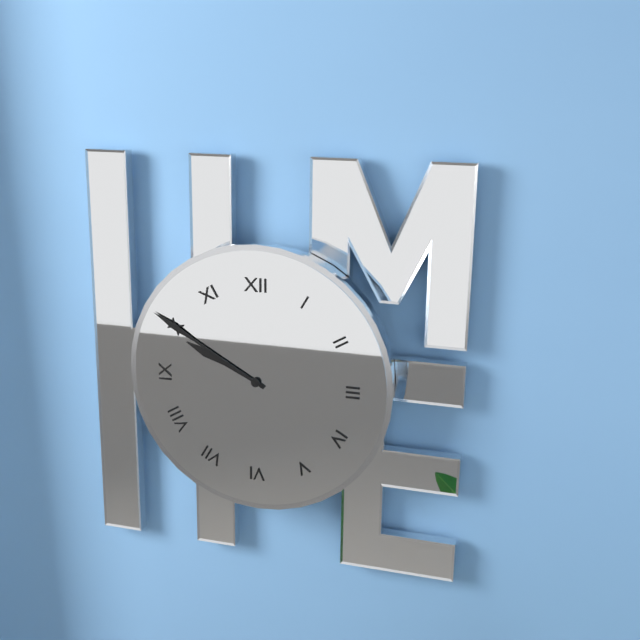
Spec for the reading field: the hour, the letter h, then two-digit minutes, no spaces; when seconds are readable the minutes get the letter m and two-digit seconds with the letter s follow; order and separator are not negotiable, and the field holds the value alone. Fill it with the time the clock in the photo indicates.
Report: 9h50
